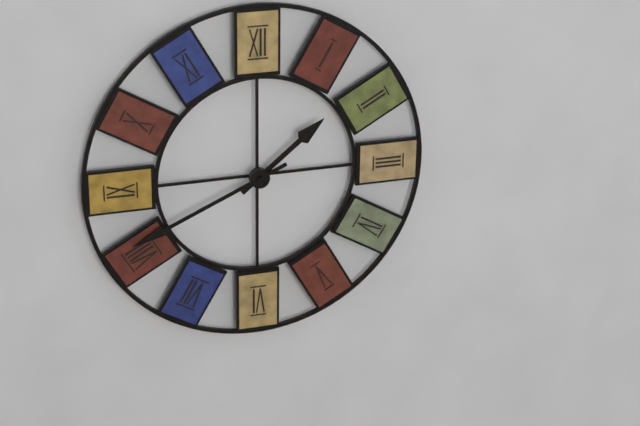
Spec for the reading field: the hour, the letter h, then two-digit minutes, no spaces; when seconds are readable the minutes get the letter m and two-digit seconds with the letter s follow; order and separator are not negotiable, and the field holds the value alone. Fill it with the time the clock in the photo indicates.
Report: 1h41
